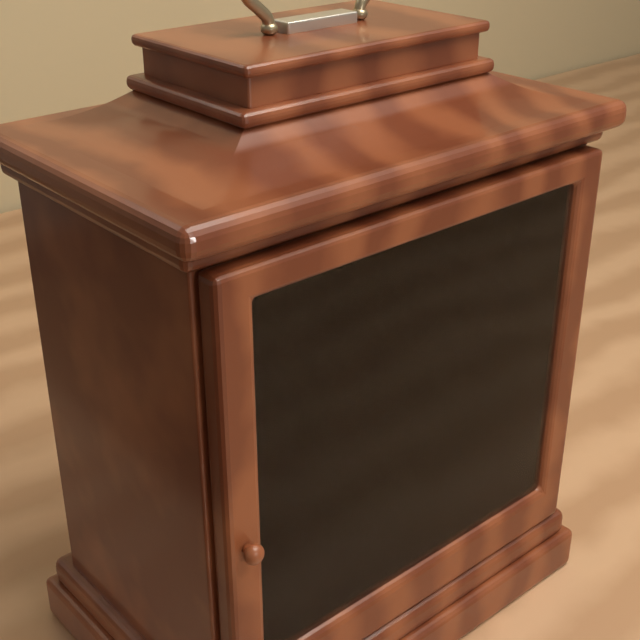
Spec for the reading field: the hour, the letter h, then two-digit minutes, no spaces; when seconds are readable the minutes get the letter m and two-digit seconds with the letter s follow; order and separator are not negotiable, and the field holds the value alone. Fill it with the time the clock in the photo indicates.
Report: 12h30
